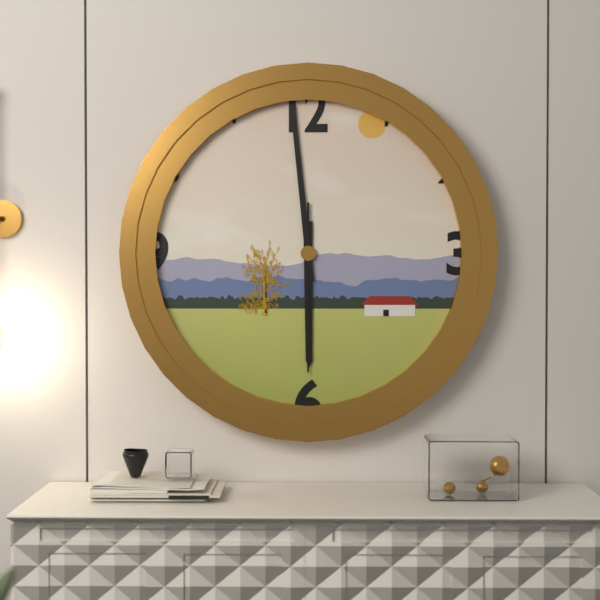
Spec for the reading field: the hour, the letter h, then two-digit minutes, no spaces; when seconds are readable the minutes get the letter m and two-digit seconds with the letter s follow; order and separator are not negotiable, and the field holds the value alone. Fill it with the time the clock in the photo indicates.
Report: 5h59m30s
